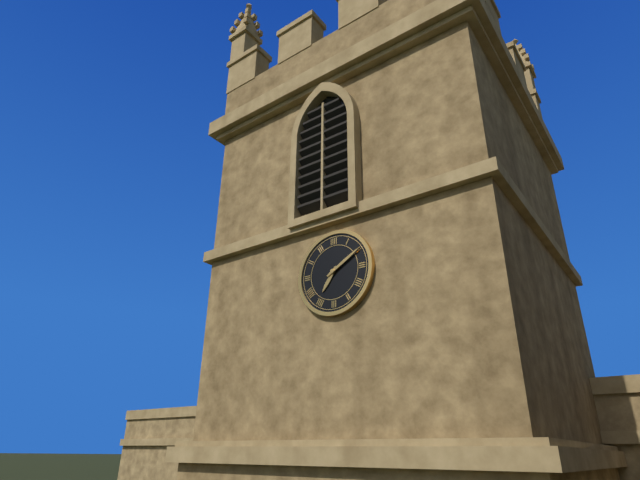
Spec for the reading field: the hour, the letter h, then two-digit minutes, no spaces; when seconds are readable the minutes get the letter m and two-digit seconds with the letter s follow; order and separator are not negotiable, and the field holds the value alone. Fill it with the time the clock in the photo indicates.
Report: 7h10
